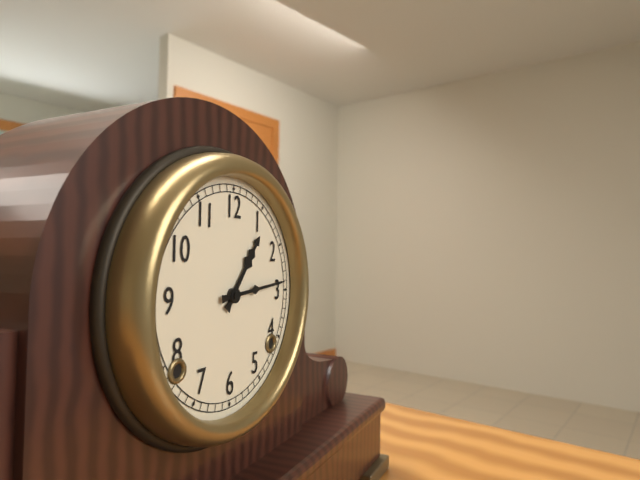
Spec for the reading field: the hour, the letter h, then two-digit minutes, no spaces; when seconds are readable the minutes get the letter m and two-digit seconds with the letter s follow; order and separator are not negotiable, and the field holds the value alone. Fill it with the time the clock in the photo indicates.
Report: 1h14
